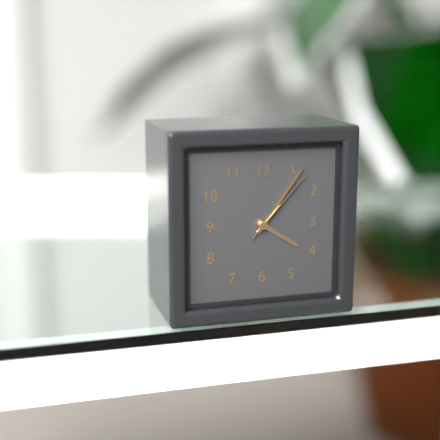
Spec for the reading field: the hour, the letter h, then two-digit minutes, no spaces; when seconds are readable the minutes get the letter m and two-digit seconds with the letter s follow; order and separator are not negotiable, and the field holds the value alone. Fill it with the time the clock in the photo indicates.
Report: 4h06m07s
